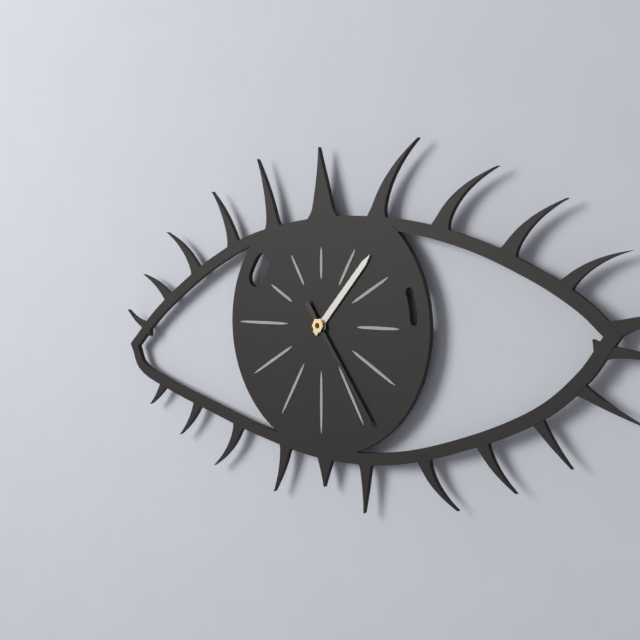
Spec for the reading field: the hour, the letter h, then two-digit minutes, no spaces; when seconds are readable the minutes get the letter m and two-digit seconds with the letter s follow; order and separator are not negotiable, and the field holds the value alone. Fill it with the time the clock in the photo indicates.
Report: 1h24
